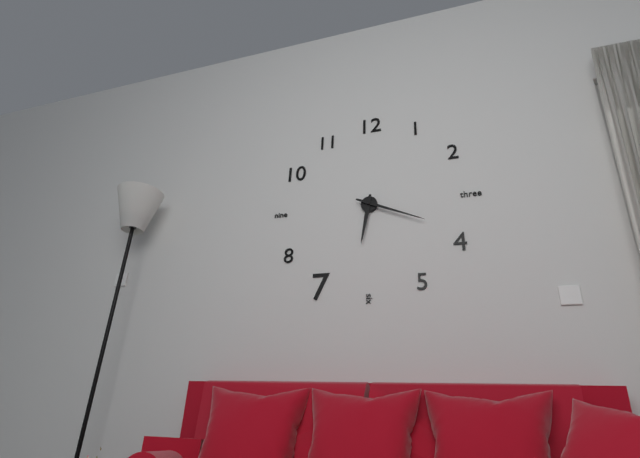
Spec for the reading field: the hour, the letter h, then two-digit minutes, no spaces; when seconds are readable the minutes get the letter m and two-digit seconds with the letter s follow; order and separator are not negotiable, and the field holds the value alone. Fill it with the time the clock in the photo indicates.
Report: 6h19
